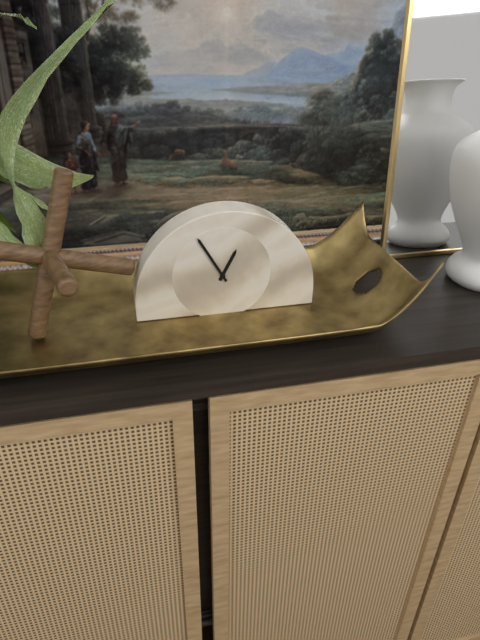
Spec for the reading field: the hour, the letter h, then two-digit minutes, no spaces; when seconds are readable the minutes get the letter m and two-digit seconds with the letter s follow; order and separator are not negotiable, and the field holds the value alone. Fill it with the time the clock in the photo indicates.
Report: 12h55
